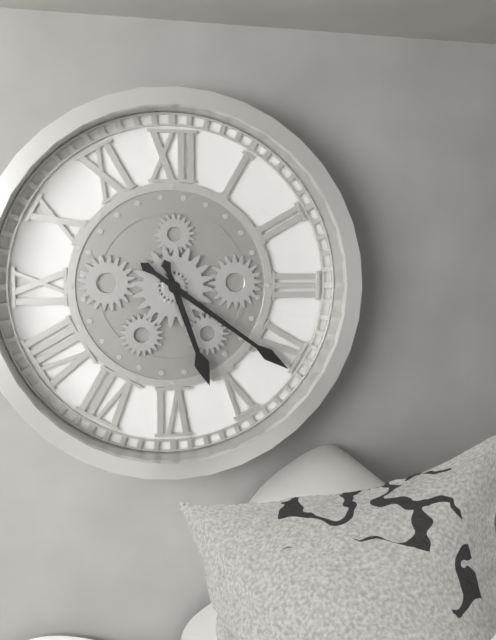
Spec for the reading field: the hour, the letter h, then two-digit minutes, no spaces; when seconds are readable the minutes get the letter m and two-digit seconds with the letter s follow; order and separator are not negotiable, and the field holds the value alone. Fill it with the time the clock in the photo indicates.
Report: 5h21
